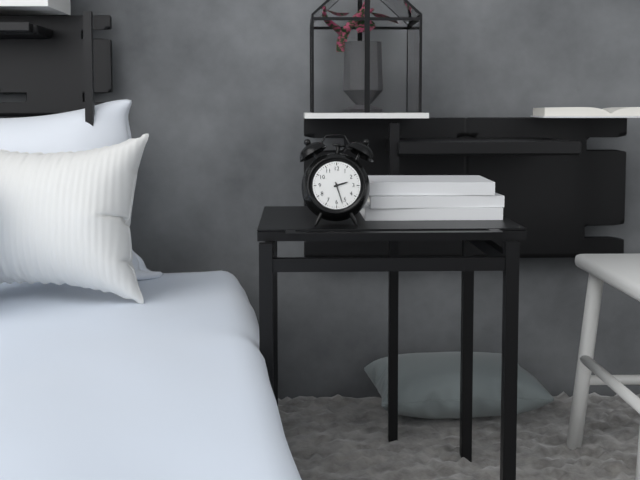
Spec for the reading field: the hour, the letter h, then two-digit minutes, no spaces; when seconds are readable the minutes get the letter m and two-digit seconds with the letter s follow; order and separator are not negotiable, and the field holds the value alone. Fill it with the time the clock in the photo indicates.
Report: 2h27
